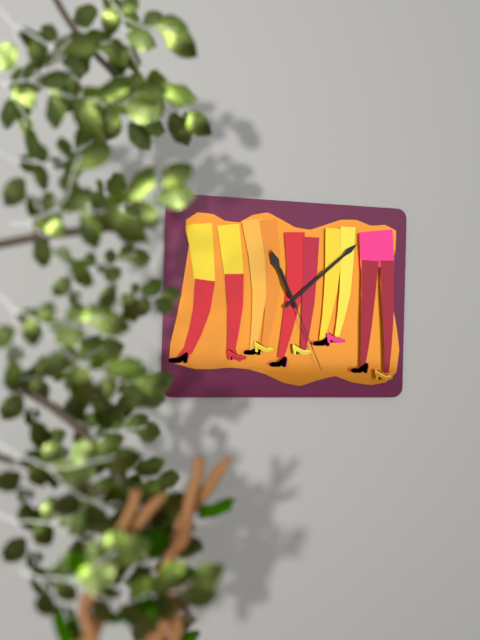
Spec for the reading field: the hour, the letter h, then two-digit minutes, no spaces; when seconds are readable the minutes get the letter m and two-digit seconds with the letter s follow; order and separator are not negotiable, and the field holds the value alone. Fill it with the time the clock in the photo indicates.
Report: 11h08m26s
